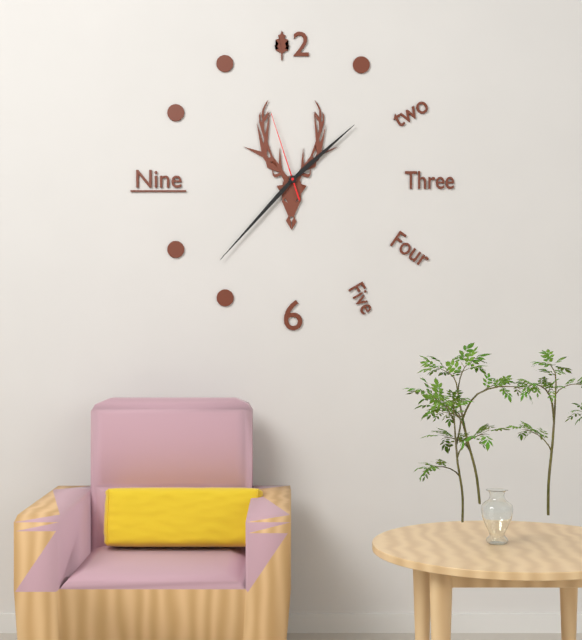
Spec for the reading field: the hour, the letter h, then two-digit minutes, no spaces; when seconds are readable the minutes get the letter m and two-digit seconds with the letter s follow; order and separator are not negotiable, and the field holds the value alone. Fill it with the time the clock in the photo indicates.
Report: 1h37m57s
